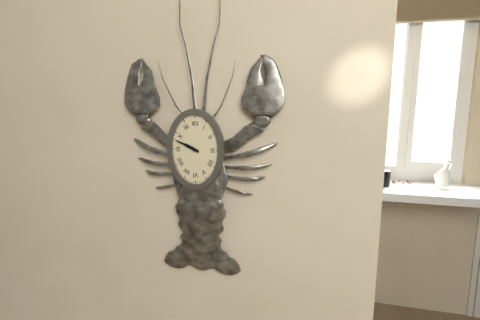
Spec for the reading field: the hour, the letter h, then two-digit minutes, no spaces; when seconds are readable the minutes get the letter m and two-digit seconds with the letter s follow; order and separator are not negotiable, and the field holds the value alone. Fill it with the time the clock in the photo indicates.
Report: 9h49
